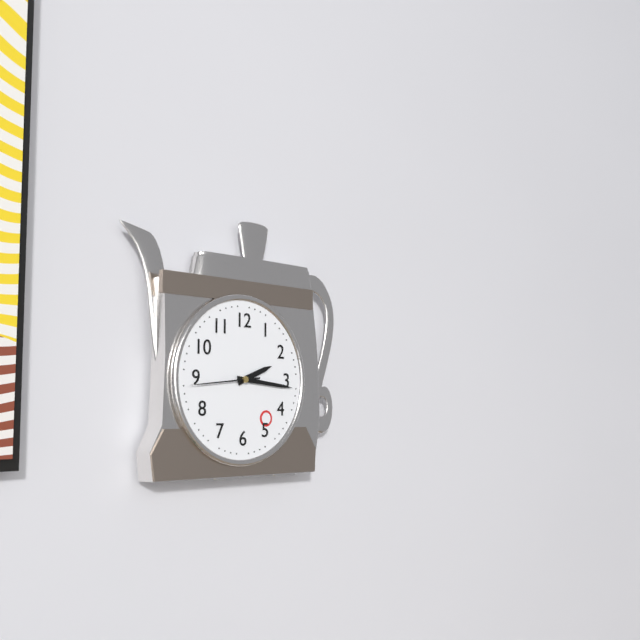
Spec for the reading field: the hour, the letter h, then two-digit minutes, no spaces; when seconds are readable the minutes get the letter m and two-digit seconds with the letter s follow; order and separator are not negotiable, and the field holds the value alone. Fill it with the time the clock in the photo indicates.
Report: 2h16m44s
